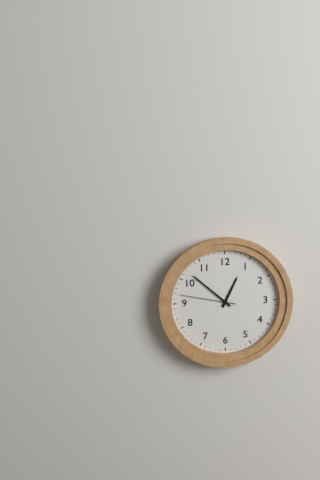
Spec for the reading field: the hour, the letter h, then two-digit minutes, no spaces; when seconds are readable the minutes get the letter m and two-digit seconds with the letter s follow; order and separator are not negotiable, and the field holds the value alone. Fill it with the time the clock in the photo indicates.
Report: 12h52m47s
